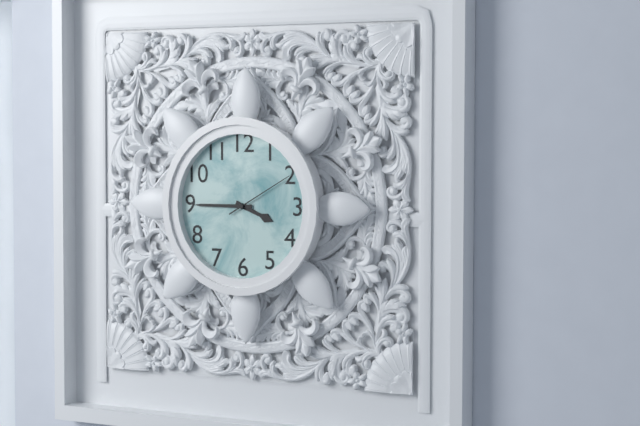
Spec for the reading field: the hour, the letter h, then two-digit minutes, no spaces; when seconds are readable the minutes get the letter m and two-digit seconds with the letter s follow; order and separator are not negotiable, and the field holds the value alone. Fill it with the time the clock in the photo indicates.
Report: 3h45m10s
